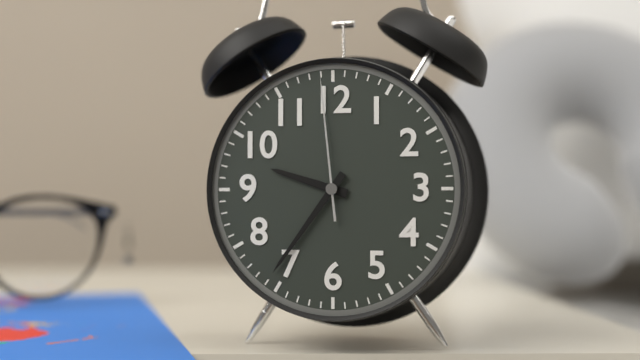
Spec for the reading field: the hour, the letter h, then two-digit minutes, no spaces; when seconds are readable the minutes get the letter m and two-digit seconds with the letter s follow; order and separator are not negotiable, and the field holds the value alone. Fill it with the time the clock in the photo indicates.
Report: 9h36m59s
